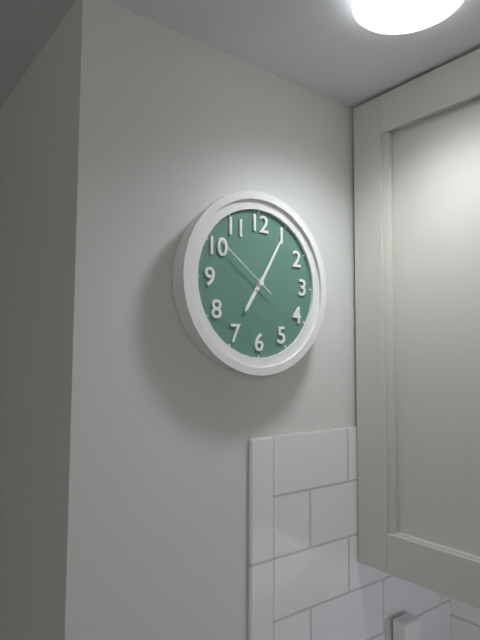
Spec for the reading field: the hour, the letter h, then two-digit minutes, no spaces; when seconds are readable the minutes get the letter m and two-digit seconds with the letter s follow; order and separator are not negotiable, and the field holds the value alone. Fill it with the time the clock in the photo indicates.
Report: 7h05m51s
